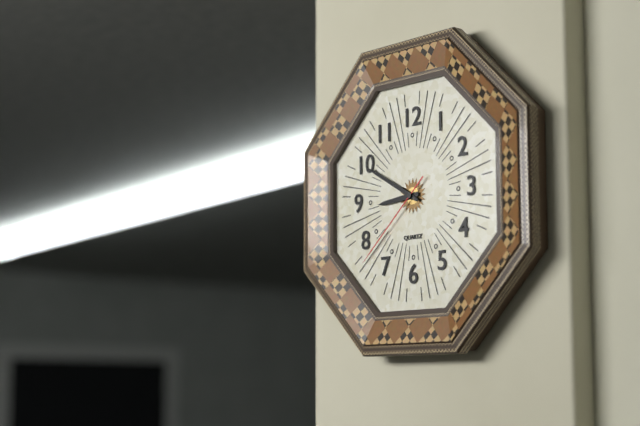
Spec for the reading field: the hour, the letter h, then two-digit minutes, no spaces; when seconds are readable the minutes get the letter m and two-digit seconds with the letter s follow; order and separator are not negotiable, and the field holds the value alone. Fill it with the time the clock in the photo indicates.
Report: 8h50m38s
